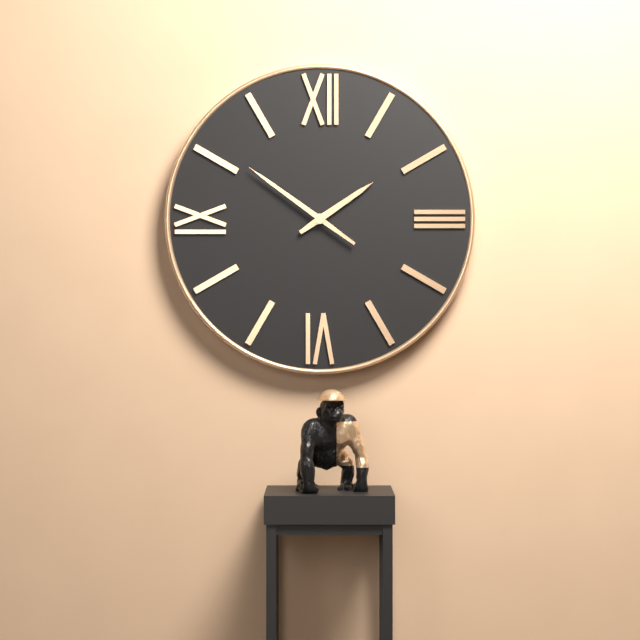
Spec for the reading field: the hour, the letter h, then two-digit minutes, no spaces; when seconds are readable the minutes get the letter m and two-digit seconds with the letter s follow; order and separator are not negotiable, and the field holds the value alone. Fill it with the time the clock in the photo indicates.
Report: 1h51
